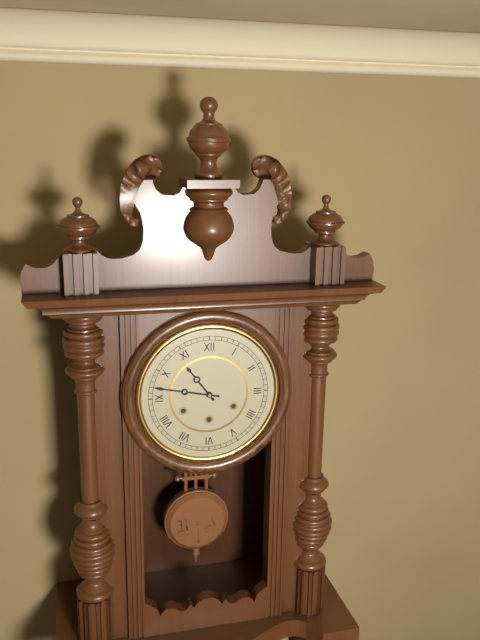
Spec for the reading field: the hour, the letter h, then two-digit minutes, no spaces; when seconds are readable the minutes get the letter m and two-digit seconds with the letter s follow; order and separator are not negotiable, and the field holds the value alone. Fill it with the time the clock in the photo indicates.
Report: 10h47
